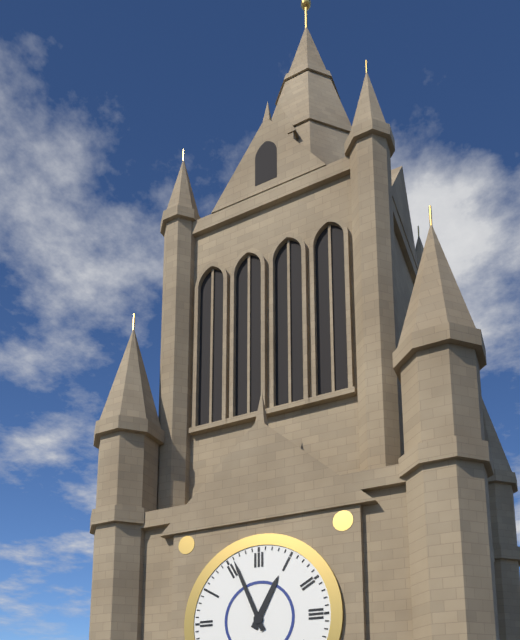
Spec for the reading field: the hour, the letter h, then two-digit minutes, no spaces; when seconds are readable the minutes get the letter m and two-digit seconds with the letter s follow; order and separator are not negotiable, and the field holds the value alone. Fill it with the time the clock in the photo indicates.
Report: 12h56
